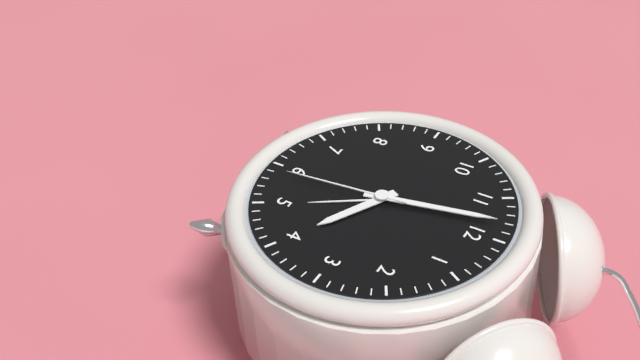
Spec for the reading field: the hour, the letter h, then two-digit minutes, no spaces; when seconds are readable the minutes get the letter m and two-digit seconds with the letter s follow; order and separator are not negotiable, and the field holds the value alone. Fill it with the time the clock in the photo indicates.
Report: 3h58m29s
